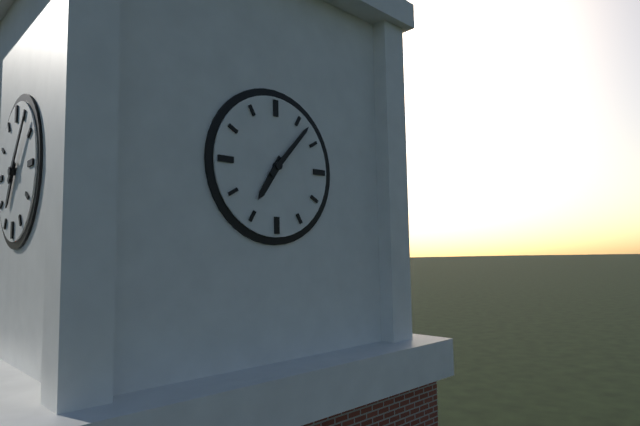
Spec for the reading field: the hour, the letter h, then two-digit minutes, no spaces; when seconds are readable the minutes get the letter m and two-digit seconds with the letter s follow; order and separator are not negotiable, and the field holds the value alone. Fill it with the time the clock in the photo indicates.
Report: 7h07
